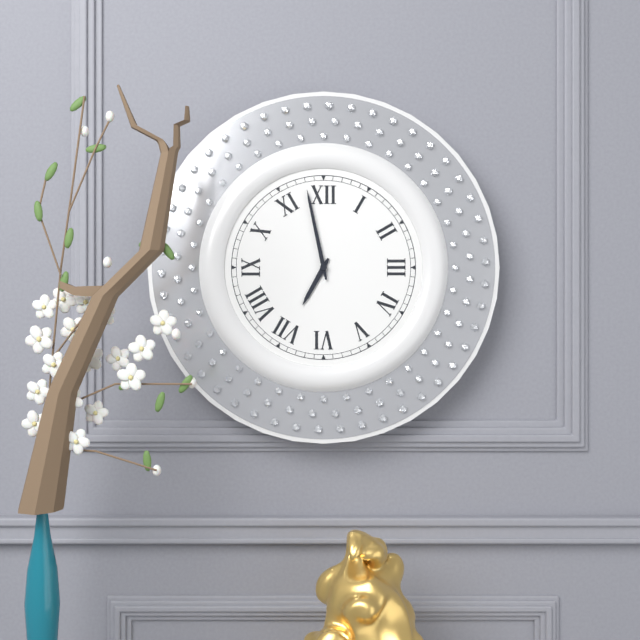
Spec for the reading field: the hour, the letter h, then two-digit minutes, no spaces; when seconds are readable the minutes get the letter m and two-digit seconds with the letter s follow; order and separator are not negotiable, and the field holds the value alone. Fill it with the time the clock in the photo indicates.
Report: 6h58
